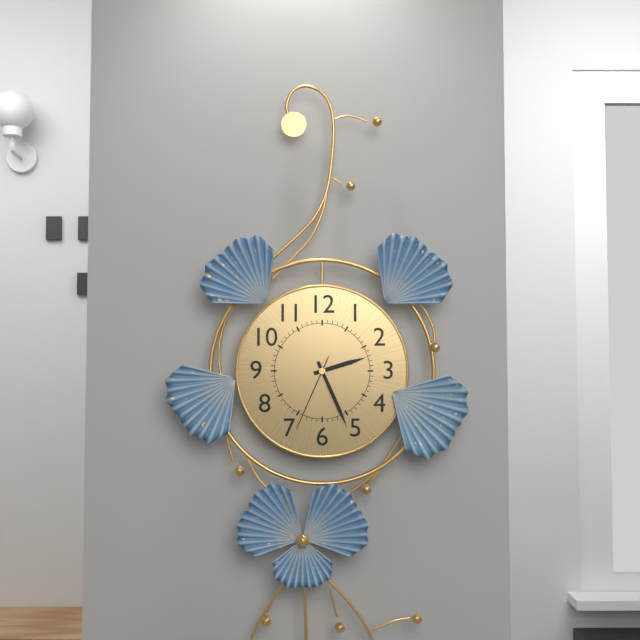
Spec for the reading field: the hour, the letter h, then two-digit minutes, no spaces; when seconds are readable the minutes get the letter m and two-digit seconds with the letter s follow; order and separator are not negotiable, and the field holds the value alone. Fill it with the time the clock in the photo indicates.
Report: 2h26m34s
